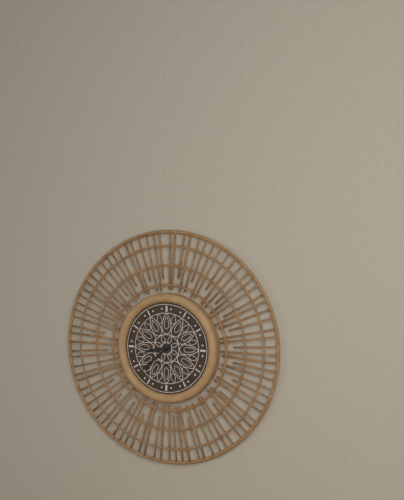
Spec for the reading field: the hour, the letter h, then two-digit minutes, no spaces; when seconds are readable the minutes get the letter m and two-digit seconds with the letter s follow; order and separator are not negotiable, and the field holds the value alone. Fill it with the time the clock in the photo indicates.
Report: 8h38
